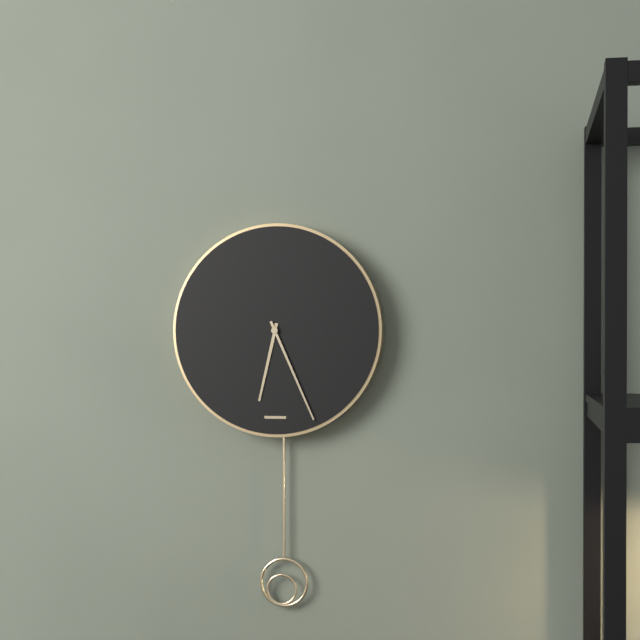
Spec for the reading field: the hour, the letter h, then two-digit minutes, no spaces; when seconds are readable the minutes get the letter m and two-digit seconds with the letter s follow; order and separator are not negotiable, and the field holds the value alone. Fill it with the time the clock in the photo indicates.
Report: 6h26
